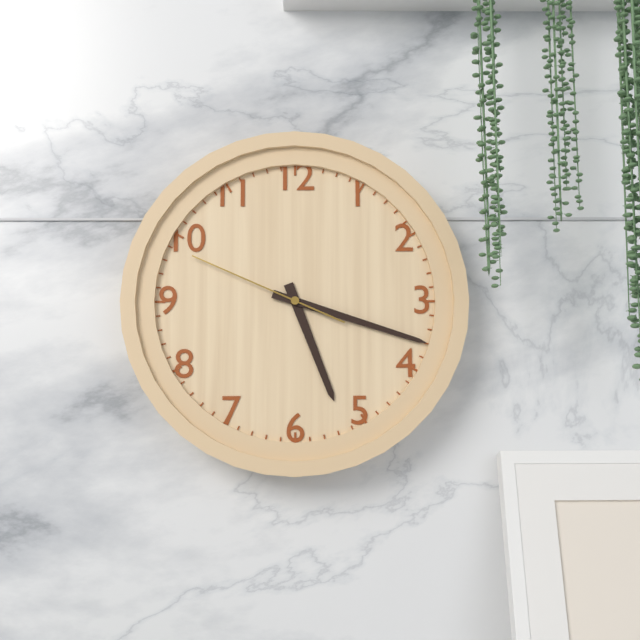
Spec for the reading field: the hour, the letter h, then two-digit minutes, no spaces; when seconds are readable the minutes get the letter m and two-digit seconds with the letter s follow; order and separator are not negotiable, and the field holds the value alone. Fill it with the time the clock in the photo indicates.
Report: 5h18m49s
